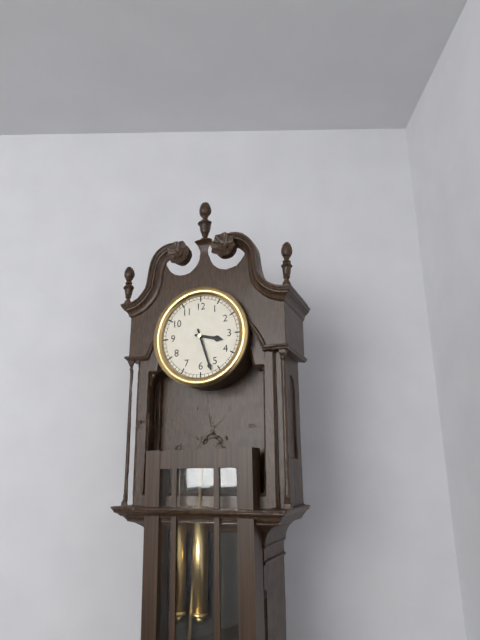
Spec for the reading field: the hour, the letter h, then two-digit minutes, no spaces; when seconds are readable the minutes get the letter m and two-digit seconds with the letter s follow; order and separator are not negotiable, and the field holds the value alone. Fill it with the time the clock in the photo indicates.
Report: 3h27
